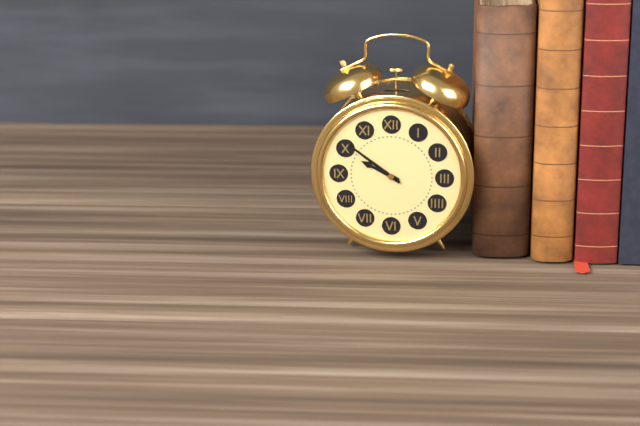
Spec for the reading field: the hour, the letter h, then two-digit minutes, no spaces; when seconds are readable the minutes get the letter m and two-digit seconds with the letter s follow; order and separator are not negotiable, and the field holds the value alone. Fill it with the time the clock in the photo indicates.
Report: 9h51
